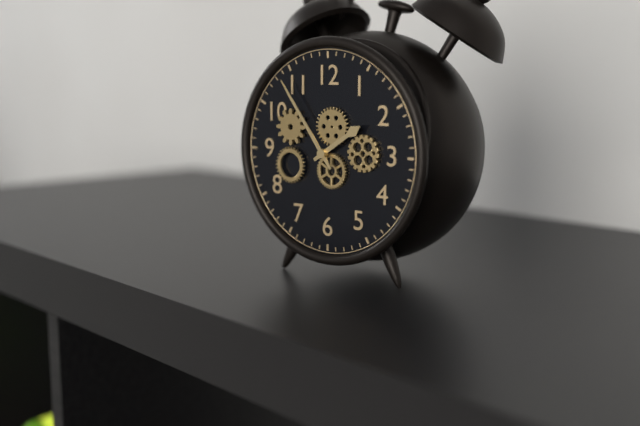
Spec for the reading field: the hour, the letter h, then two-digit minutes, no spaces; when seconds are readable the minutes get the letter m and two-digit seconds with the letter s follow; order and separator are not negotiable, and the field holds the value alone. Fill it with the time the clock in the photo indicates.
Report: 1h54
